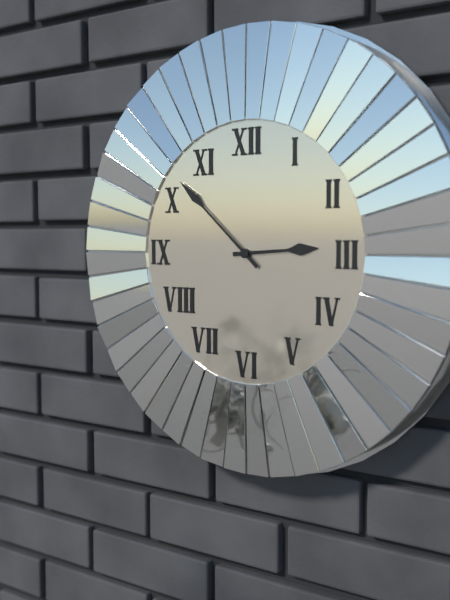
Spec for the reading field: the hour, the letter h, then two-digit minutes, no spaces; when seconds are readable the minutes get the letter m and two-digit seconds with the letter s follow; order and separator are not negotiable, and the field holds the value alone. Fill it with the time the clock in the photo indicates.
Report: 2h52
